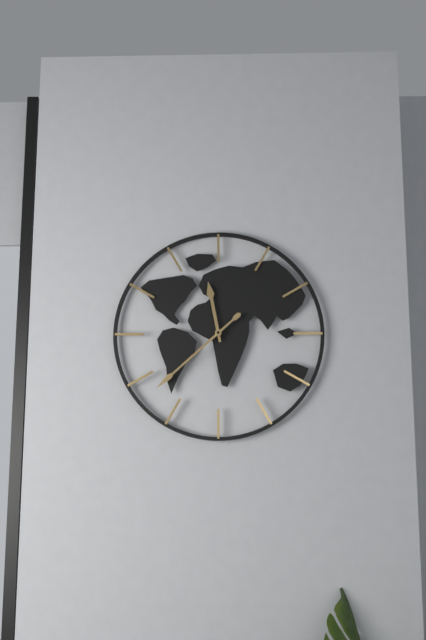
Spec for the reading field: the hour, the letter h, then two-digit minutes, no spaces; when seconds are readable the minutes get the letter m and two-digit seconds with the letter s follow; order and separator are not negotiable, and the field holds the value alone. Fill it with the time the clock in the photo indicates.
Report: 11h38
